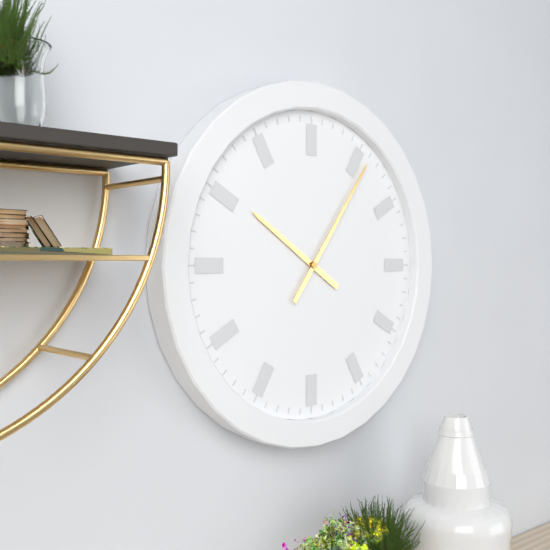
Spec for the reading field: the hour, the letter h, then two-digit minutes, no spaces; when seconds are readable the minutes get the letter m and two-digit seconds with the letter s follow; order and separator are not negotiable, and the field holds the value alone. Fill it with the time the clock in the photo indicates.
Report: 10h06
